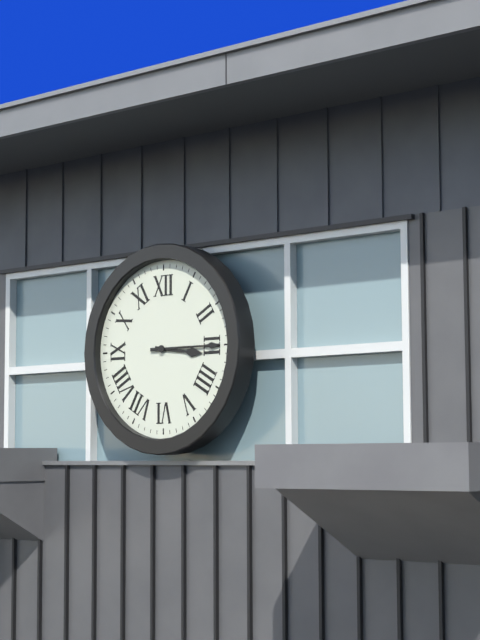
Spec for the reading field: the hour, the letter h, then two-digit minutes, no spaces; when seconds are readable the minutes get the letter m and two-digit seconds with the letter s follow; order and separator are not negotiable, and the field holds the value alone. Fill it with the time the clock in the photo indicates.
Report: 3h15
